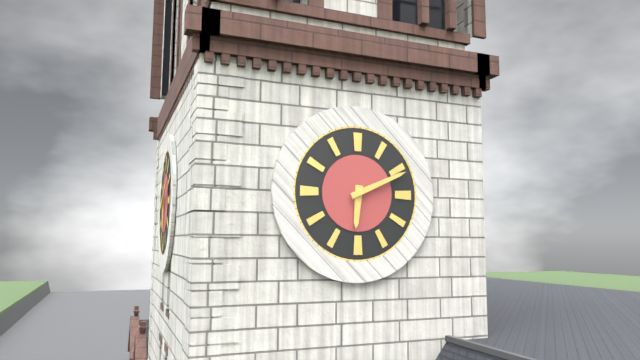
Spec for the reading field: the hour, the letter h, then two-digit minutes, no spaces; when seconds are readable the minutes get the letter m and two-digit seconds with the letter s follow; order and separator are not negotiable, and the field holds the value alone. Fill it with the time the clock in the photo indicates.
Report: 6h11
